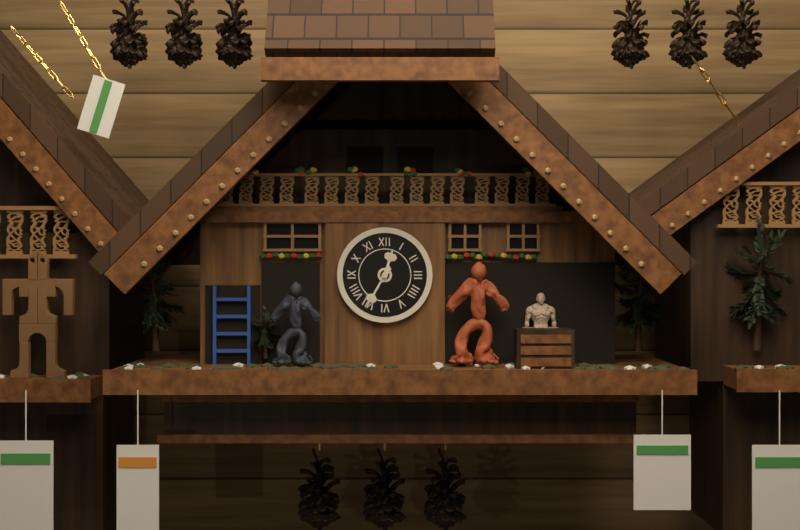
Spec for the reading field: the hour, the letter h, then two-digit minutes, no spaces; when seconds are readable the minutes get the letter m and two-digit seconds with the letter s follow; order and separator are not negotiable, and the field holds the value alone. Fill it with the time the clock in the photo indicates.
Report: 12h35
